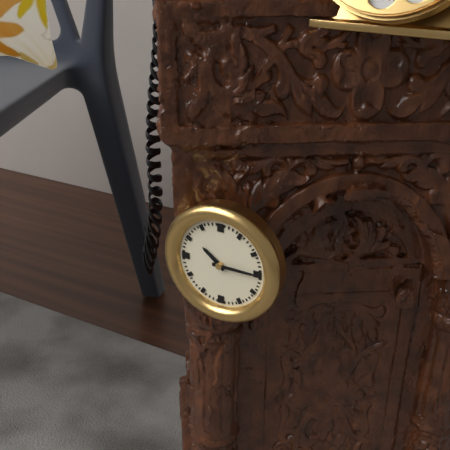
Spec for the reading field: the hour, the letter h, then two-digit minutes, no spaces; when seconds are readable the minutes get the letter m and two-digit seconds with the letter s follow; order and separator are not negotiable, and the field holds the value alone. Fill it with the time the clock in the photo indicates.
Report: 10h15
